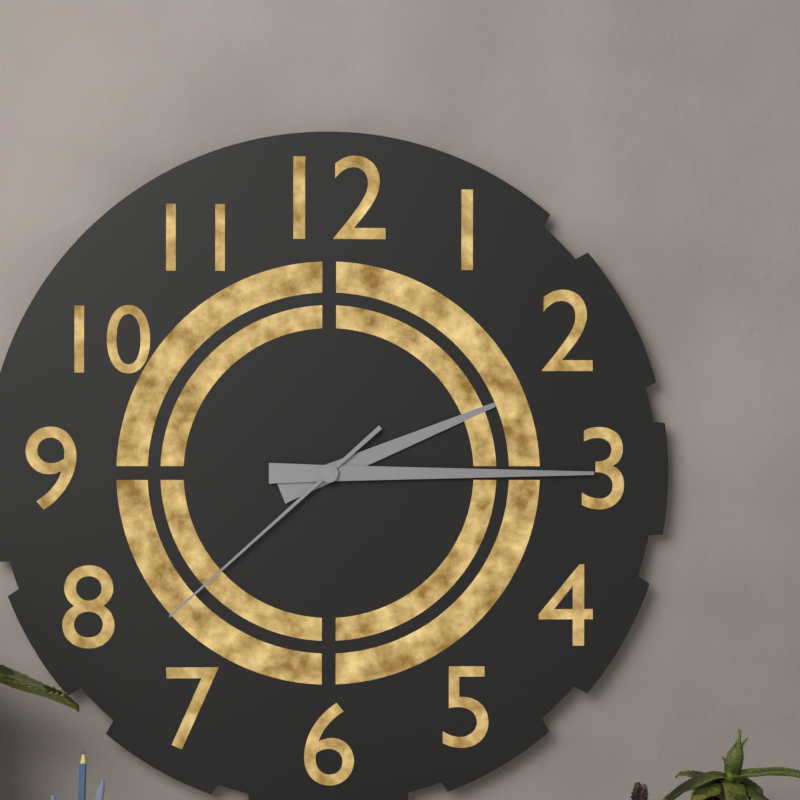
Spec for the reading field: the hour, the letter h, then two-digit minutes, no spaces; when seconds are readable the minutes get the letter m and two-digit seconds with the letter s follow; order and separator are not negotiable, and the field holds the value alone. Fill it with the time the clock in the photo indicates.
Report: 2h15m38s
